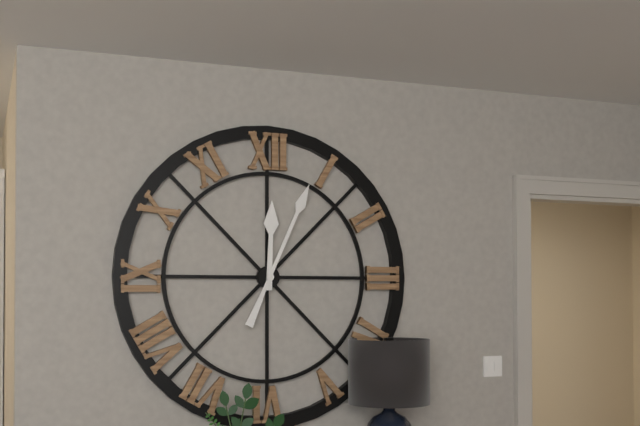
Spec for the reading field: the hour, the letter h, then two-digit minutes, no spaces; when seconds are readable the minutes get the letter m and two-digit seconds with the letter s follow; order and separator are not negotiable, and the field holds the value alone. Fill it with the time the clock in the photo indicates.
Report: 12h04
